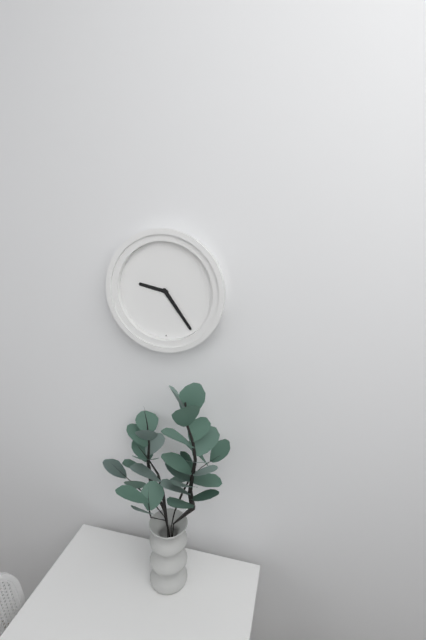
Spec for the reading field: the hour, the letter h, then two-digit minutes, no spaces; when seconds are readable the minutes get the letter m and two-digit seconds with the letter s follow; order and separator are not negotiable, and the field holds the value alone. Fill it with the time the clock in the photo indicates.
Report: 9h24
